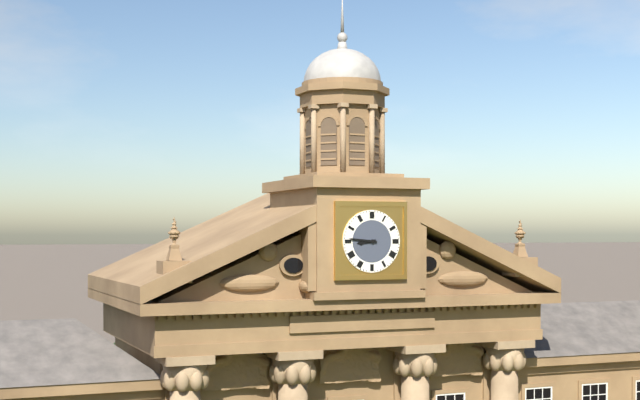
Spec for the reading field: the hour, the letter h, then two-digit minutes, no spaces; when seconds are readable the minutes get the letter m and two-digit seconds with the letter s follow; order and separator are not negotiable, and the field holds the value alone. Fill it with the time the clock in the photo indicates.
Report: 8h46
